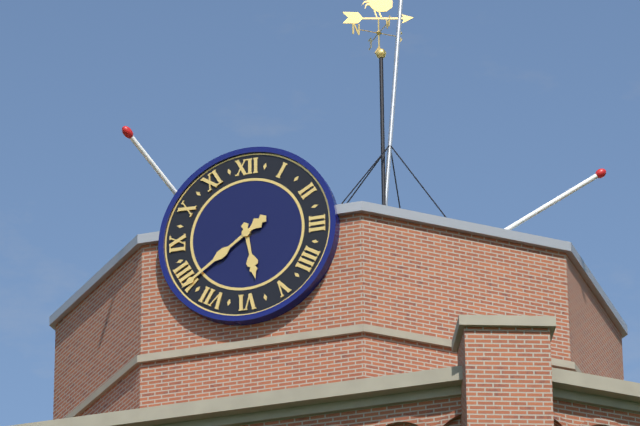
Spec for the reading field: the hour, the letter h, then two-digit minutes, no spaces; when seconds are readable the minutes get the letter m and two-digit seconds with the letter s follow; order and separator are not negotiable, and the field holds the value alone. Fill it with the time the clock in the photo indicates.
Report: 5h39
